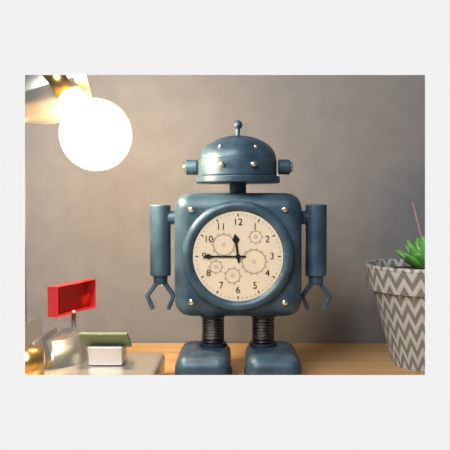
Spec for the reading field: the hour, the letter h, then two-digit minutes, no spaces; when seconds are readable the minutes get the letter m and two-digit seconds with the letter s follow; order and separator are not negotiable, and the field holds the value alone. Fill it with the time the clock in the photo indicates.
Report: 11h45
